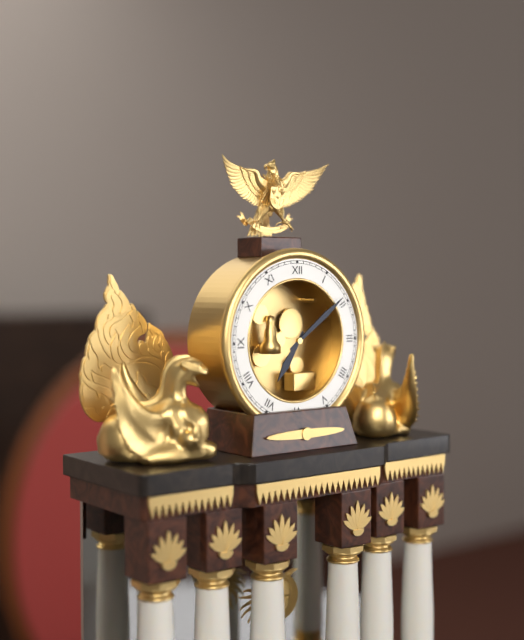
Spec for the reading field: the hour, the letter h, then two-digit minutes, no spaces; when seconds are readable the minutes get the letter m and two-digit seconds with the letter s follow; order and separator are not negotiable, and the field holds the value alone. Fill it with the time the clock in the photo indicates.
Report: 7h09
